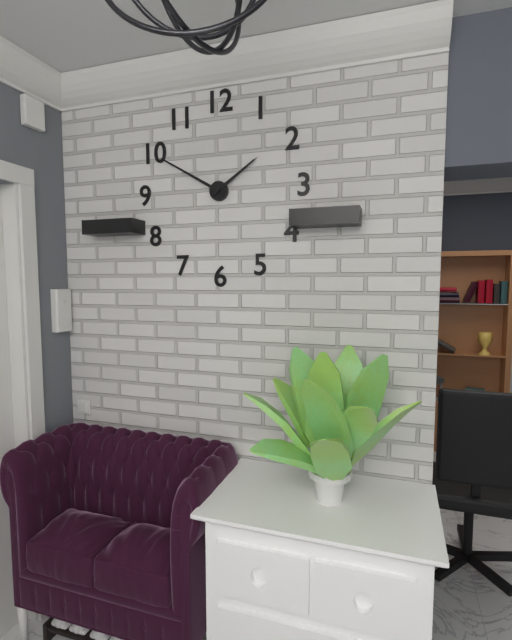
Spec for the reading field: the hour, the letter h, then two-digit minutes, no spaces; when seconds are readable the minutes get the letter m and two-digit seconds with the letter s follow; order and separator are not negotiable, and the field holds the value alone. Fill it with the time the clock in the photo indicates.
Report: 1h50
